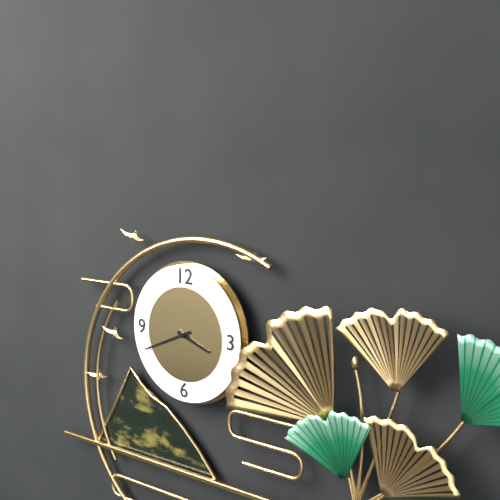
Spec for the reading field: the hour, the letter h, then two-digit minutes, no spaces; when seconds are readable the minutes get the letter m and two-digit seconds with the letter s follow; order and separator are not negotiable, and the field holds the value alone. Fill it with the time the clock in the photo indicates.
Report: 3h41
